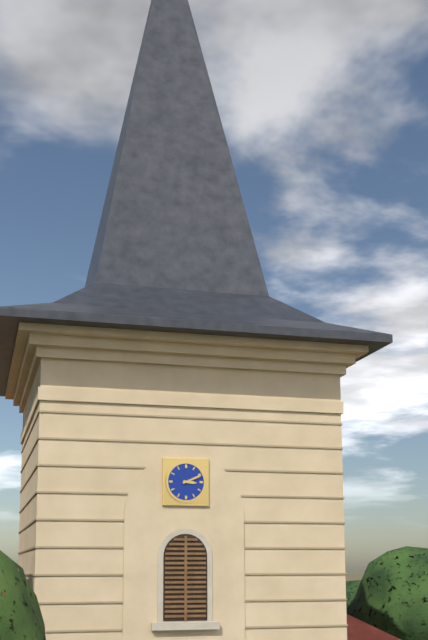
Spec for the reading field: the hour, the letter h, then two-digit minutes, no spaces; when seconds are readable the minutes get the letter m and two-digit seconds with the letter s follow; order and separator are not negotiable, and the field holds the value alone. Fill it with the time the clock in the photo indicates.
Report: 3h11
